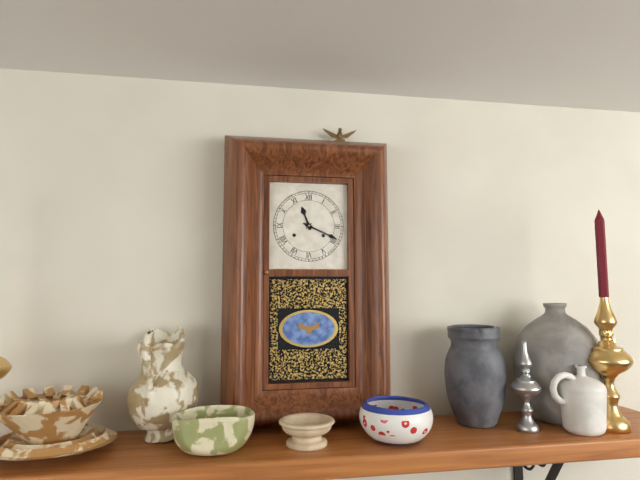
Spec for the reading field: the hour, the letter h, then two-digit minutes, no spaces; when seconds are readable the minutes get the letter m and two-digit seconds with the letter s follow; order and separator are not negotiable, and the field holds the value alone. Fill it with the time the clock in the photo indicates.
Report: 11h19
